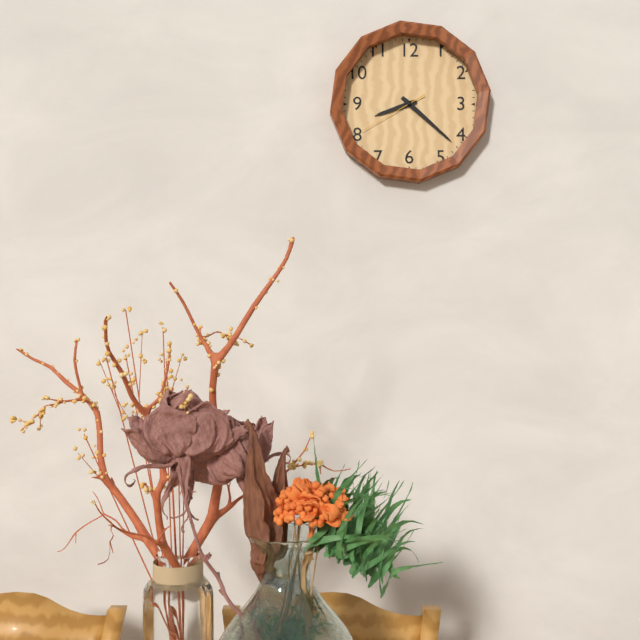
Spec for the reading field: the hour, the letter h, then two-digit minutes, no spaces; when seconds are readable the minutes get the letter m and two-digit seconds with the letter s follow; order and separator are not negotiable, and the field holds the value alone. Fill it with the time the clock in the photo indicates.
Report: 8h22m40s
